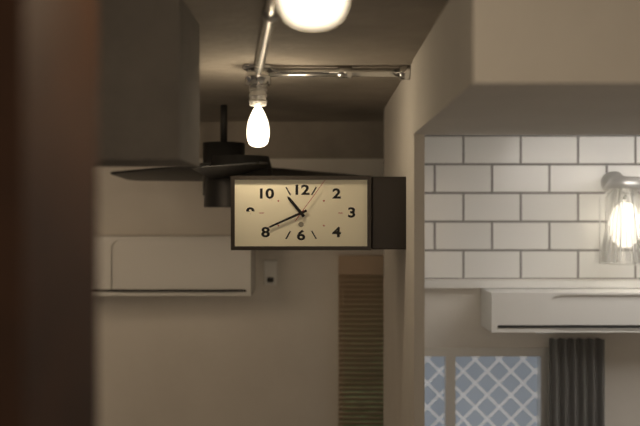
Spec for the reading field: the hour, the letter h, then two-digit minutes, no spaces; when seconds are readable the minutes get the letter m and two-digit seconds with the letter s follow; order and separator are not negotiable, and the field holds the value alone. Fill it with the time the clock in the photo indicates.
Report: 10h41m06s
